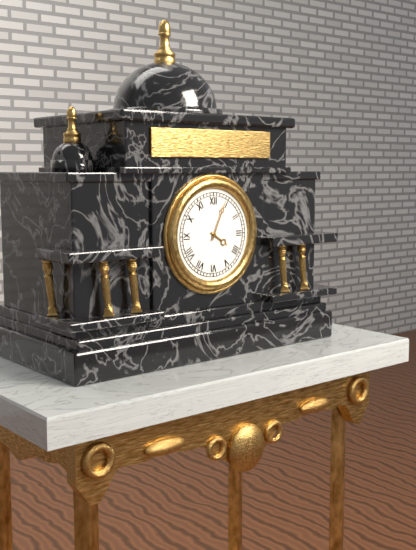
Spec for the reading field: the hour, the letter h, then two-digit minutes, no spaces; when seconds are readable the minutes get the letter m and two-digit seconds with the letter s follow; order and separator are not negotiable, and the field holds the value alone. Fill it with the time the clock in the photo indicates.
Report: 4h04
